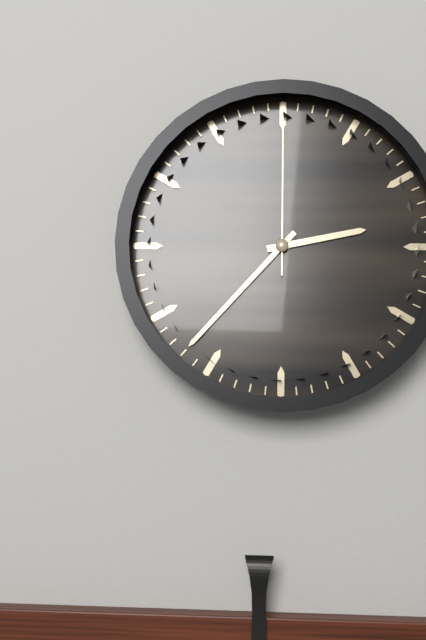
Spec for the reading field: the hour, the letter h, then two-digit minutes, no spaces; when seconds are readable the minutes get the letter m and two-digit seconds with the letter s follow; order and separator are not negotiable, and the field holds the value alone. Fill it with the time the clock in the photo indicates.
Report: 2h37m00s
